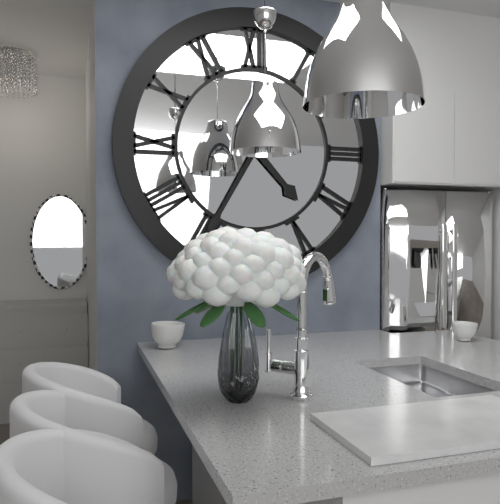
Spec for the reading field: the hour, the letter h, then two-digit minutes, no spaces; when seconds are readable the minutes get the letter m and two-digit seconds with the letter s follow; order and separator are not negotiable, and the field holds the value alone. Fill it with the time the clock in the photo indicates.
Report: 4h35
